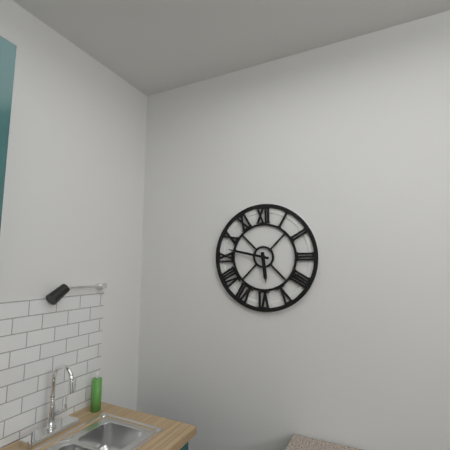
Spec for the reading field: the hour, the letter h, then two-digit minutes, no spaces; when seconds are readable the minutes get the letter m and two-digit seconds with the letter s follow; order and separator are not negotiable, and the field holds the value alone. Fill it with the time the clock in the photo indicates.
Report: 5h47
